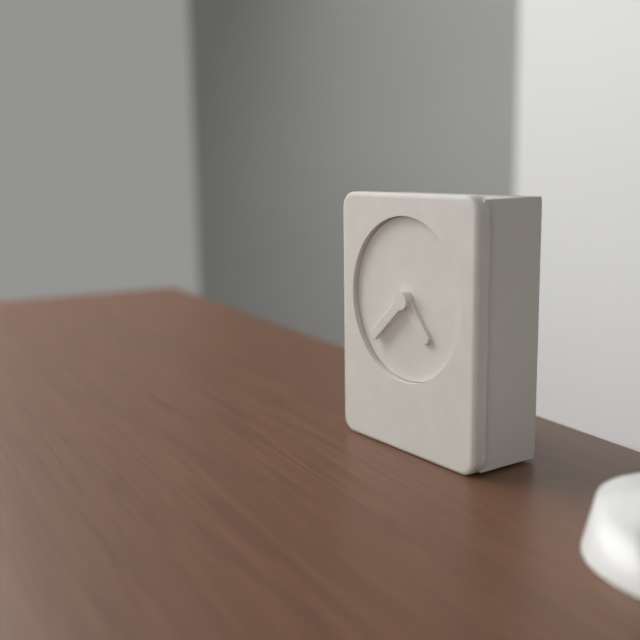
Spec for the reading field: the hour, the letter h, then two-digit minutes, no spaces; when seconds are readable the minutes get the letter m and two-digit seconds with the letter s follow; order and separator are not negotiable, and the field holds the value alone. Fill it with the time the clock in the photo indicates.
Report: 4h38
